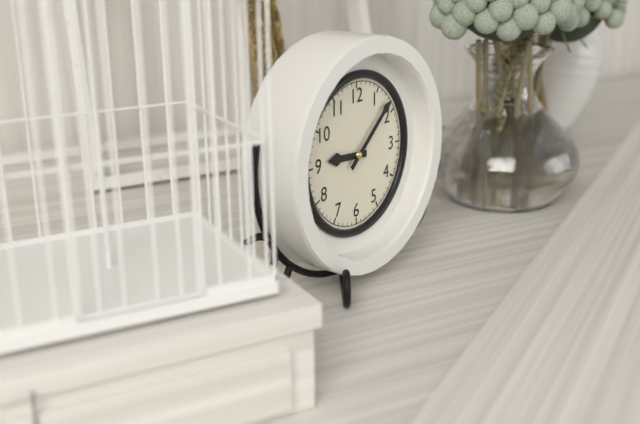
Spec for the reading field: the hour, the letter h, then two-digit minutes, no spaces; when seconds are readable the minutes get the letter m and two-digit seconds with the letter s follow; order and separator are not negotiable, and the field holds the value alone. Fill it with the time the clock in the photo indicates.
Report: 9h08
